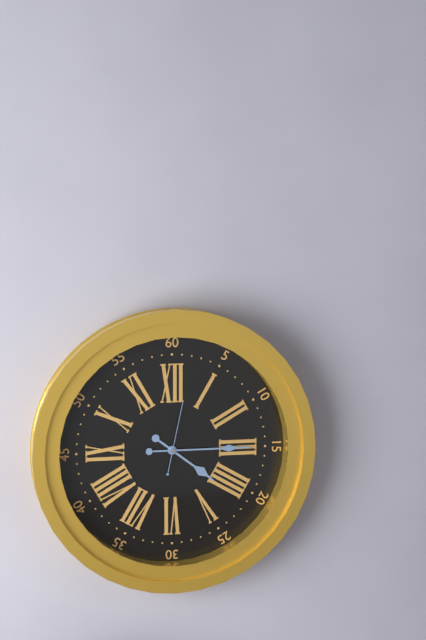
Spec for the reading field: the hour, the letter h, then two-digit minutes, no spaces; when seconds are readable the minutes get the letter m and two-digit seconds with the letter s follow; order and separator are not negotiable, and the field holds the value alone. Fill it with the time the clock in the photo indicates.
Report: 4h15m02s
